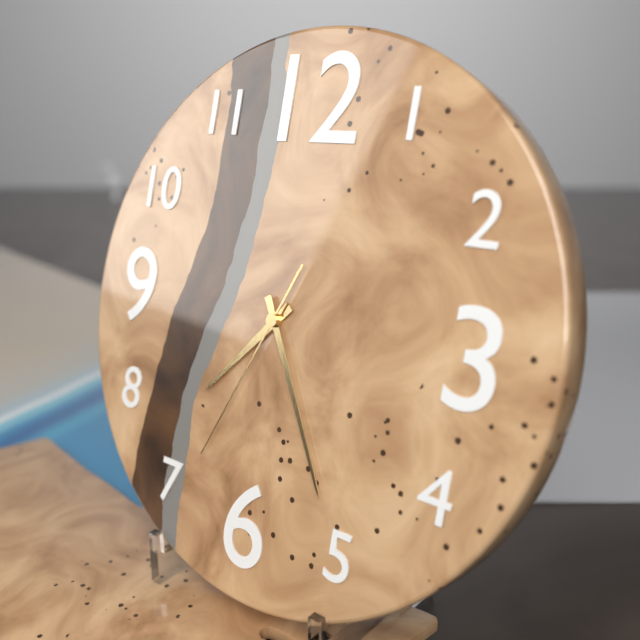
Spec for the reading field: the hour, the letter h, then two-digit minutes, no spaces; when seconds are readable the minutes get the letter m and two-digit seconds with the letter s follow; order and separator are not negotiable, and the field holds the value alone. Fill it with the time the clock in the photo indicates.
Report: 7h25m34s
